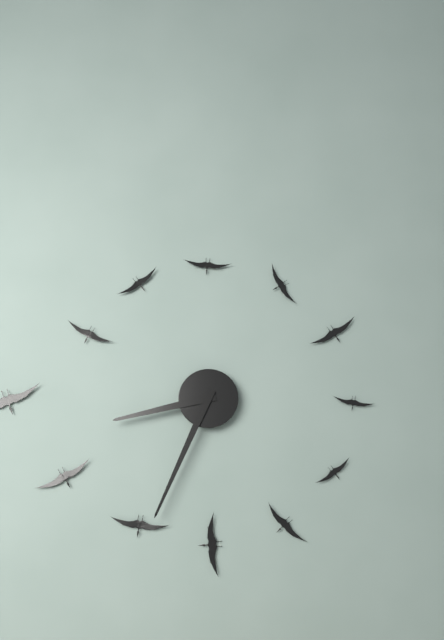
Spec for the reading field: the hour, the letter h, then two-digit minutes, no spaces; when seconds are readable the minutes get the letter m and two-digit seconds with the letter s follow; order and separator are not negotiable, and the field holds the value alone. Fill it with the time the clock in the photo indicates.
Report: 8h34
